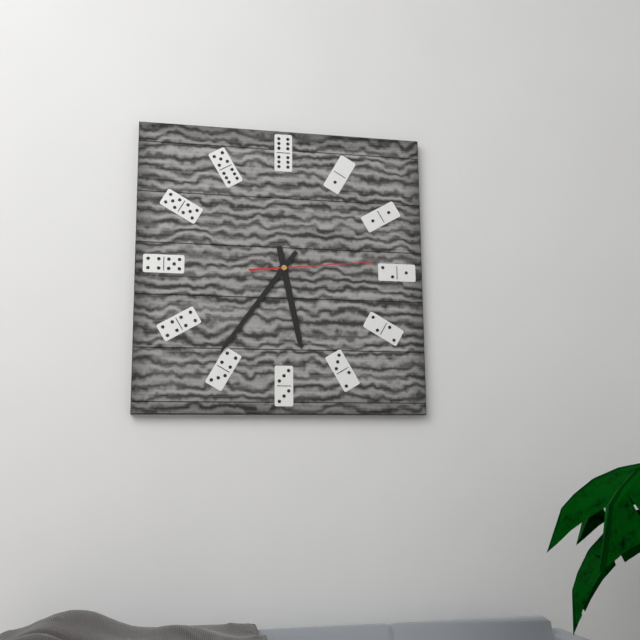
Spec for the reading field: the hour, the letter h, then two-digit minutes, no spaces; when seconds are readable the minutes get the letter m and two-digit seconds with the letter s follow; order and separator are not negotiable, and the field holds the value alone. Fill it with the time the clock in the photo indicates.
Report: 5h36m14s
